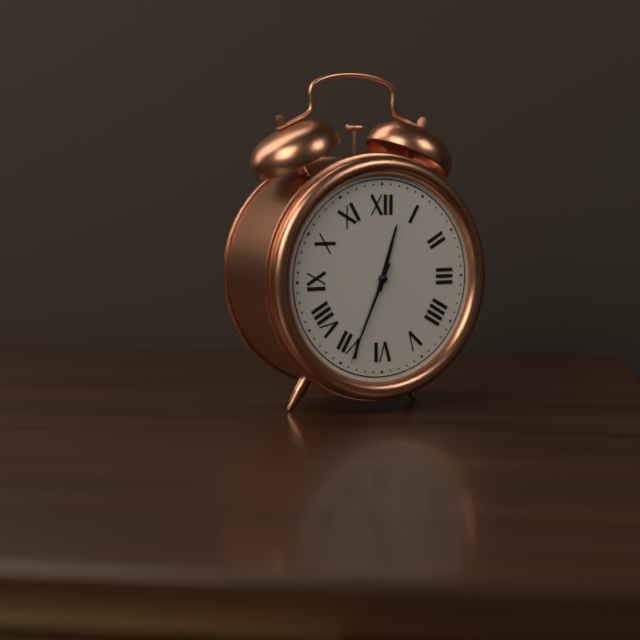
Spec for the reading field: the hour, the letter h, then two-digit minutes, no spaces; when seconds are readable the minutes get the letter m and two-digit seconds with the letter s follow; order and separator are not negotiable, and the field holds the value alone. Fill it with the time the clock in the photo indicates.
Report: 12h34
